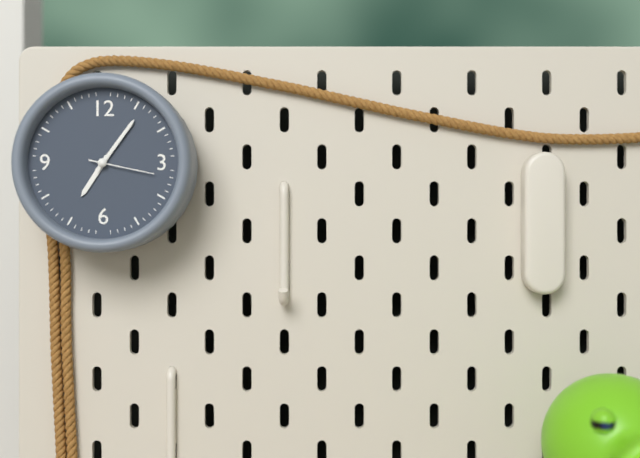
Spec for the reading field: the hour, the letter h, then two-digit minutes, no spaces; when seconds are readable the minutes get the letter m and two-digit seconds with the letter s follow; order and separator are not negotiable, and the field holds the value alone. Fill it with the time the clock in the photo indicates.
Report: 7h06m17s
